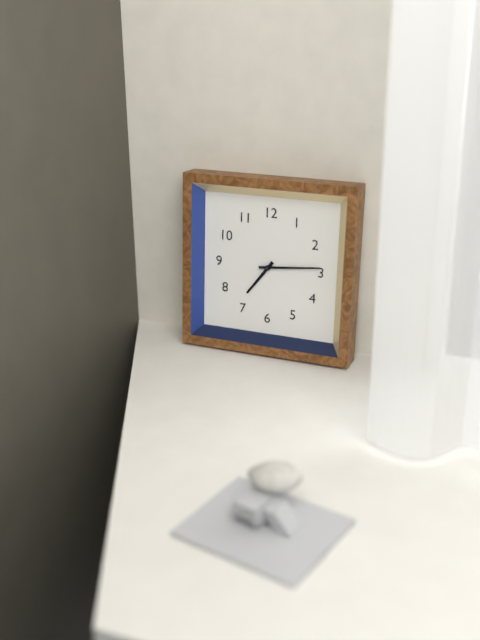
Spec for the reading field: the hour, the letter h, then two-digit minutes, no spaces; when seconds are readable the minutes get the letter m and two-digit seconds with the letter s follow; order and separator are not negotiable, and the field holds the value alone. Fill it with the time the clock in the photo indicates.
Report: 7h14
